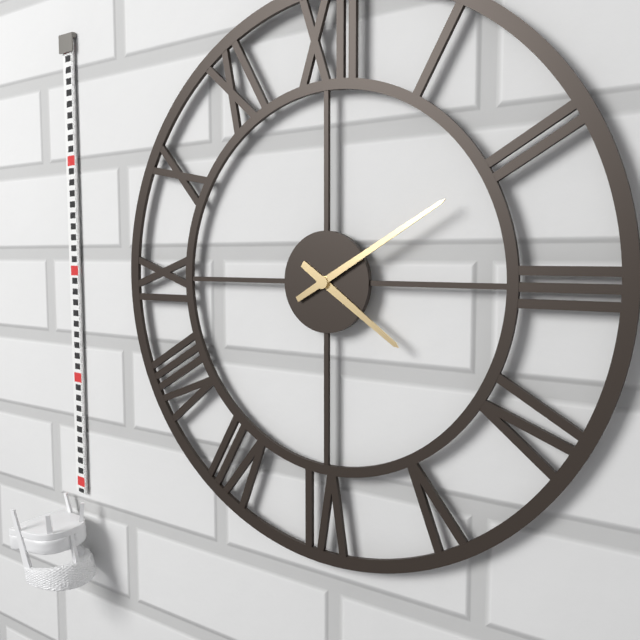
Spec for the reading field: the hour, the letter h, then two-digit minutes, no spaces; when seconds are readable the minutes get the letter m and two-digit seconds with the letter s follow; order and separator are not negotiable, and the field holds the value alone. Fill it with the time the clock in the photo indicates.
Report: 4h10
